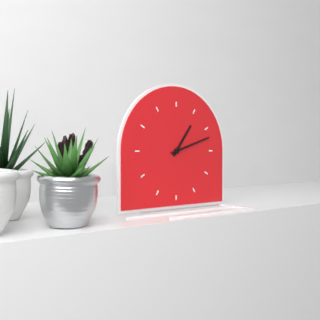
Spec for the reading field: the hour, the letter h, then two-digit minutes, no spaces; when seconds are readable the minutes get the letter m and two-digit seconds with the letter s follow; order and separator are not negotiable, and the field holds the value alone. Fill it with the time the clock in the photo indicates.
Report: 1h12
